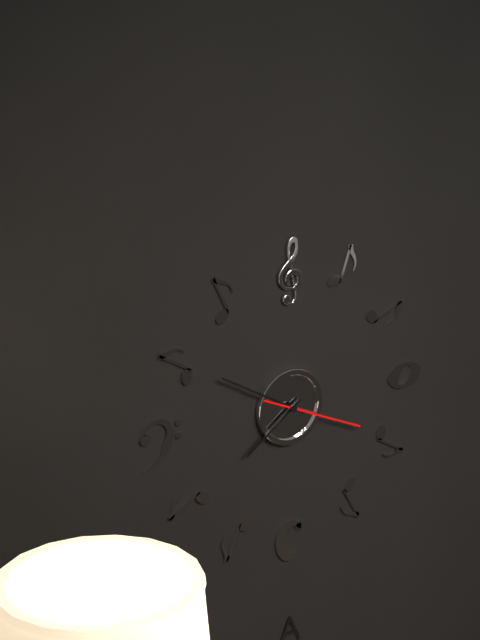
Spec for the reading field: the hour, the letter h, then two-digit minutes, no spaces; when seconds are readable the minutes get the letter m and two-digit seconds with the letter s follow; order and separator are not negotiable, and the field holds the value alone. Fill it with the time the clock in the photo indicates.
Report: 7h50m19s
